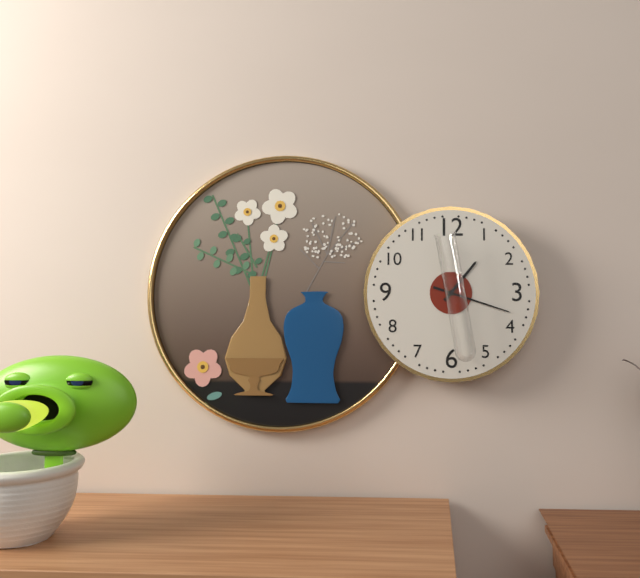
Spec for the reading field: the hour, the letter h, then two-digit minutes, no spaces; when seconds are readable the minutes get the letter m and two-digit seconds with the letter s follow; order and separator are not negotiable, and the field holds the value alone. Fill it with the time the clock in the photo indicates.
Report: 1h18
